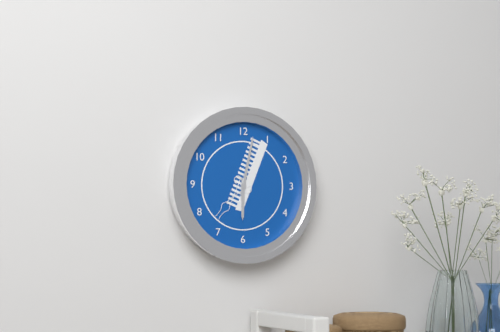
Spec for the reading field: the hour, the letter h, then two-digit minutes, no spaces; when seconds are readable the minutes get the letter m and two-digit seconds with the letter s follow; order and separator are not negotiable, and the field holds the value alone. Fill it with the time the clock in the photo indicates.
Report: 6h02
